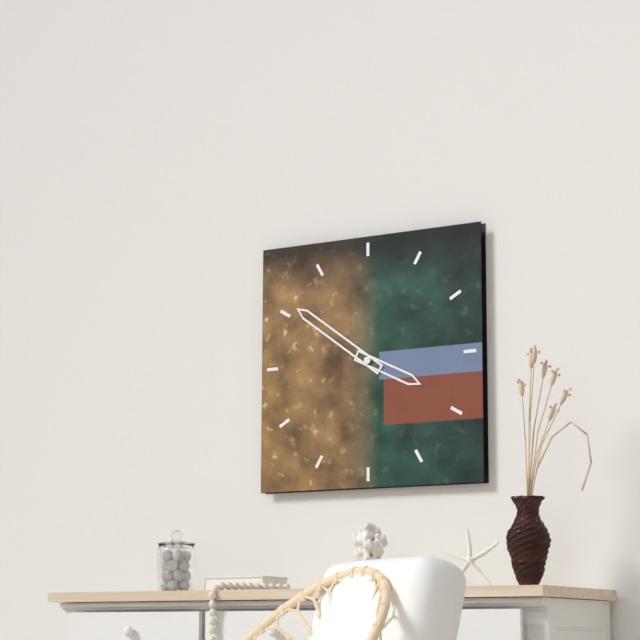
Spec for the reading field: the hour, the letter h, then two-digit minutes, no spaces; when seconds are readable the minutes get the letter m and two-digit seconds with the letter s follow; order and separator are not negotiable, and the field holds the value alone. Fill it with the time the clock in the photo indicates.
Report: 3h51
